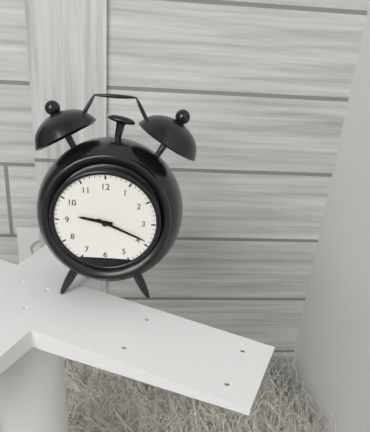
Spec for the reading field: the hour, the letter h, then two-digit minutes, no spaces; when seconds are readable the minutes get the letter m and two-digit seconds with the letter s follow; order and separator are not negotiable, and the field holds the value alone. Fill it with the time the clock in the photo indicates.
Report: 9h19
